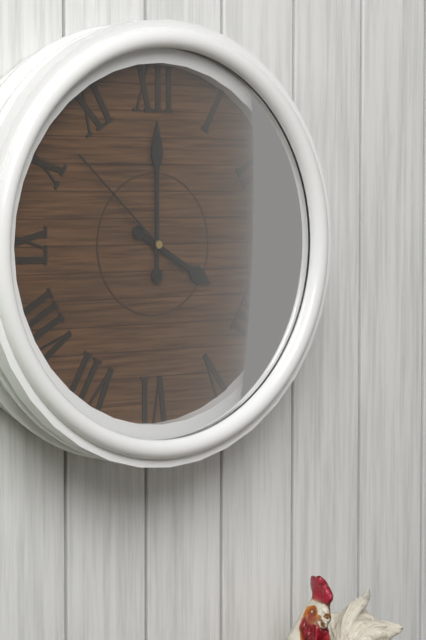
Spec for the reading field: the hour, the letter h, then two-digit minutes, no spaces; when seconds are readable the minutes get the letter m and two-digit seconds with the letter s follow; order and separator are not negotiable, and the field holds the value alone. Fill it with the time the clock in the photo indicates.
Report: 4h00m52s
